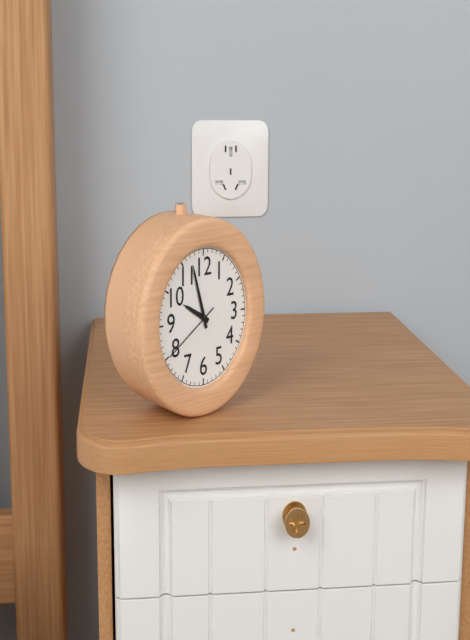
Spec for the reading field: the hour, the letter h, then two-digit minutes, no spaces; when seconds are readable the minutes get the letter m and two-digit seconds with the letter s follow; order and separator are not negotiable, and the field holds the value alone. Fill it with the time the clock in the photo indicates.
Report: 9h57m40s
